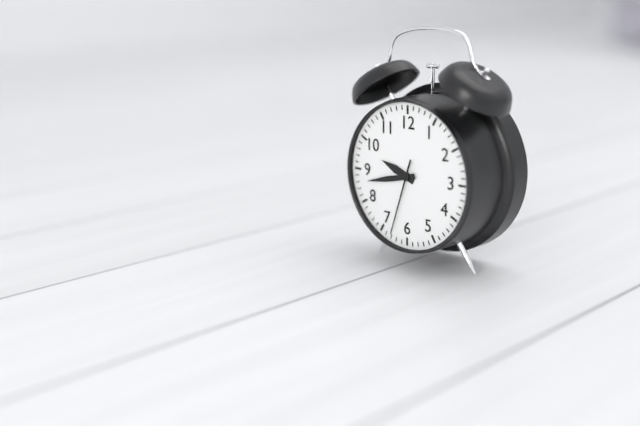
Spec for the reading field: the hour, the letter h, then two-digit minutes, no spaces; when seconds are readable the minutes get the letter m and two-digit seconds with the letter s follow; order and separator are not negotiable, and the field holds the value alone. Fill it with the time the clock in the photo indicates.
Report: 9h43m33s
